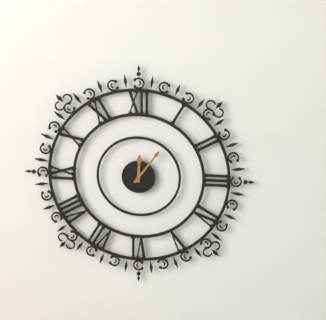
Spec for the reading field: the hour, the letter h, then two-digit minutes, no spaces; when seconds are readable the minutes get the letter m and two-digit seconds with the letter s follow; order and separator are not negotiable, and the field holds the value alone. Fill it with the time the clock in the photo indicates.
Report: 12h06
